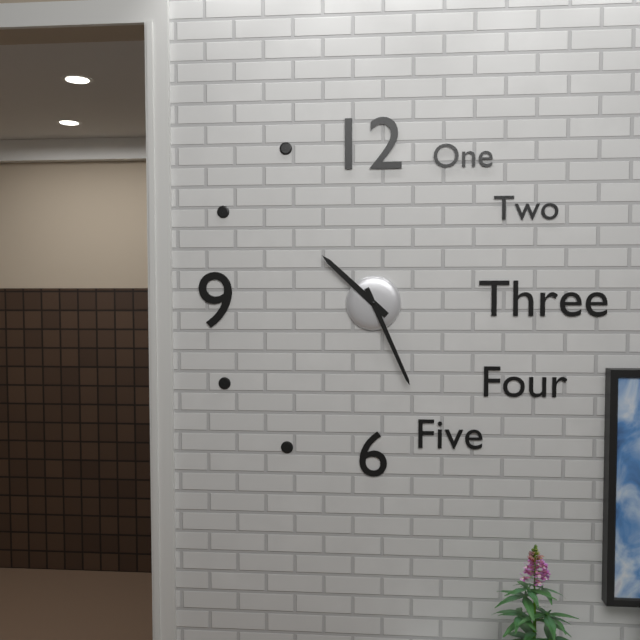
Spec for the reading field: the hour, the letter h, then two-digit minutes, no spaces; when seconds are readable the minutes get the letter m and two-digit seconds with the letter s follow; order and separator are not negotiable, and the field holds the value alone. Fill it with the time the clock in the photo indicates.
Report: 10h26
